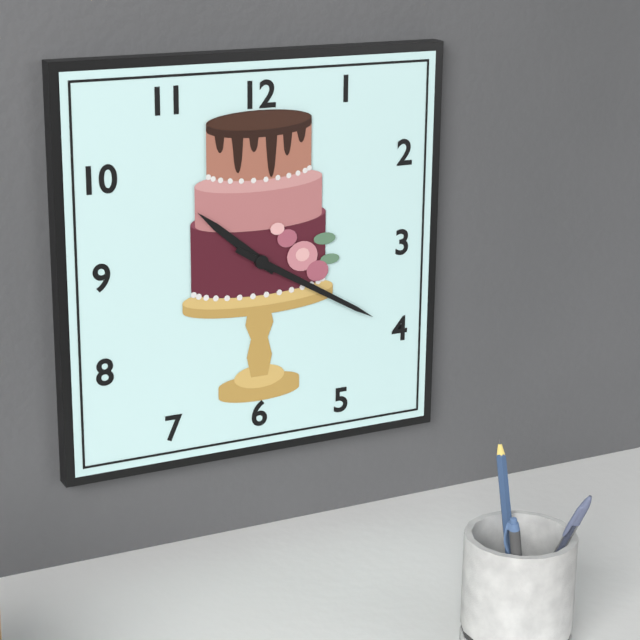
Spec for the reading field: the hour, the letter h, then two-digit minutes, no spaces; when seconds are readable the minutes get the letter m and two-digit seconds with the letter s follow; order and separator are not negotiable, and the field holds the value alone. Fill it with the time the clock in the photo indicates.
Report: 10h20
